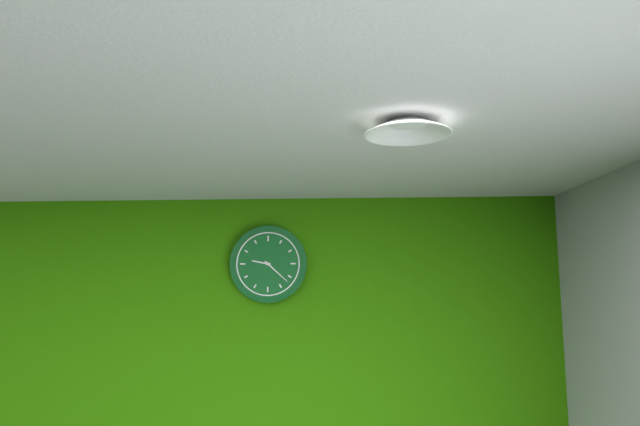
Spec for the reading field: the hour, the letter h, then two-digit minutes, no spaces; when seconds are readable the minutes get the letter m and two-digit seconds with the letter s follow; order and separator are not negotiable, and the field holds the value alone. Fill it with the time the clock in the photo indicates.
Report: 9h22
